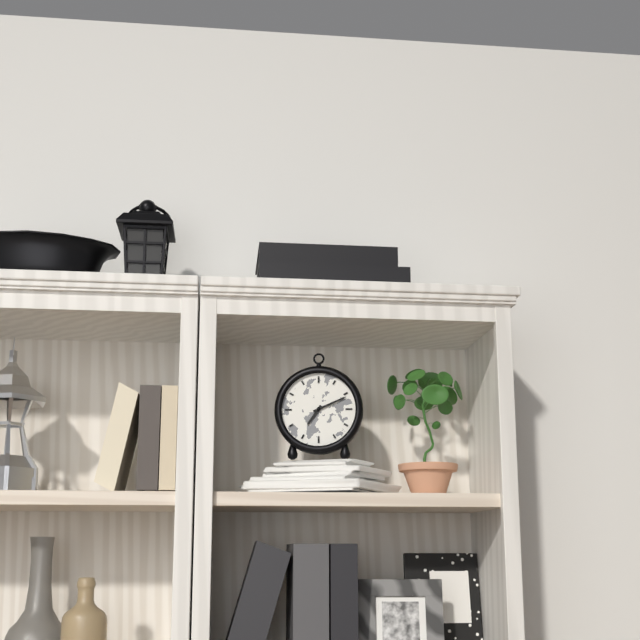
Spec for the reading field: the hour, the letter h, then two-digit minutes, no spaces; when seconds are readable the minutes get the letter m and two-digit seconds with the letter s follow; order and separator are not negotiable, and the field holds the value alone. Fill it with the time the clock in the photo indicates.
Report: 7h11
